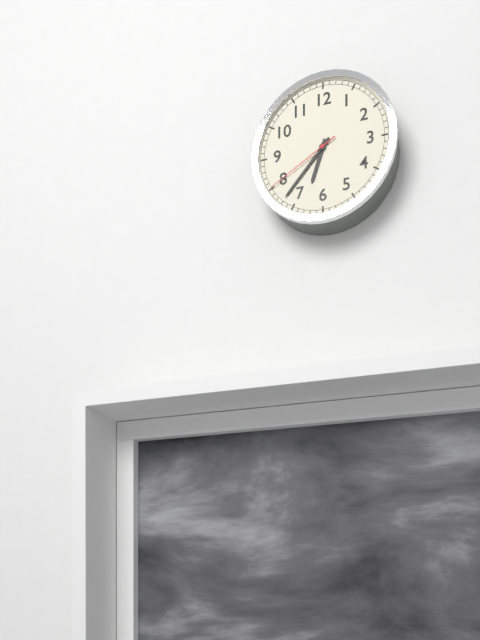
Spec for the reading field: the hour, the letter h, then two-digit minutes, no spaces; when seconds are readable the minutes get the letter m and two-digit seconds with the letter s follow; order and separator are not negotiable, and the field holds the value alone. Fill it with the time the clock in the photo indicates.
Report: 6h37m40s
